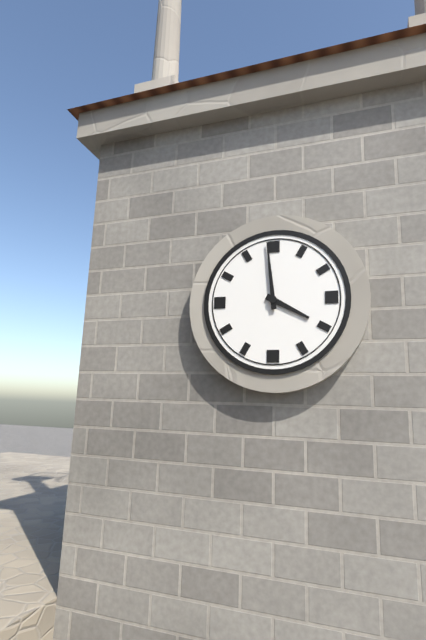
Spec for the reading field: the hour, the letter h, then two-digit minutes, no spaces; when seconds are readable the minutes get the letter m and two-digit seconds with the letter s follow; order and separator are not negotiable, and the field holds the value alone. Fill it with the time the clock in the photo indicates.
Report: 3h59
